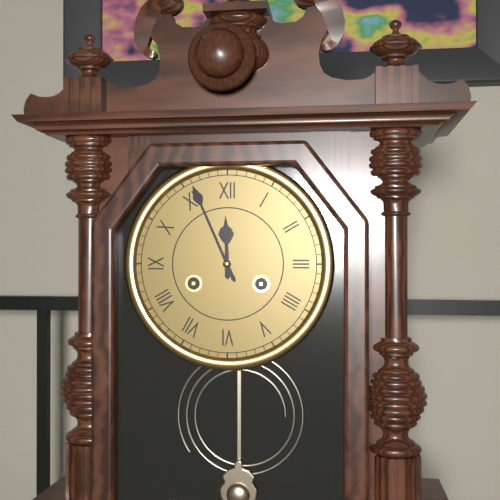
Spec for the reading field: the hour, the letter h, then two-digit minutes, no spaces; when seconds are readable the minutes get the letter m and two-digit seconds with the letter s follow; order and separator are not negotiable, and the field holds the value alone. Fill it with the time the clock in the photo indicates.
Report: 11h56
